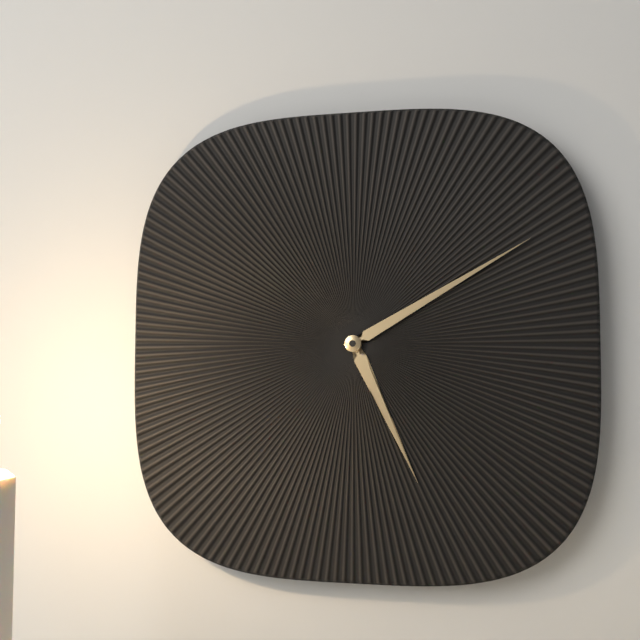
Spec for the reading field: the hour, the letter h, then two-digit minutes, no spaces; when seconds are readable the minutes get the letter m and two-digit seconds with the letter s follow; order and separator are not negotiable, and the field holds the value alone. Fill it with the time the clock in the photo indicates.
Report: 5h10
